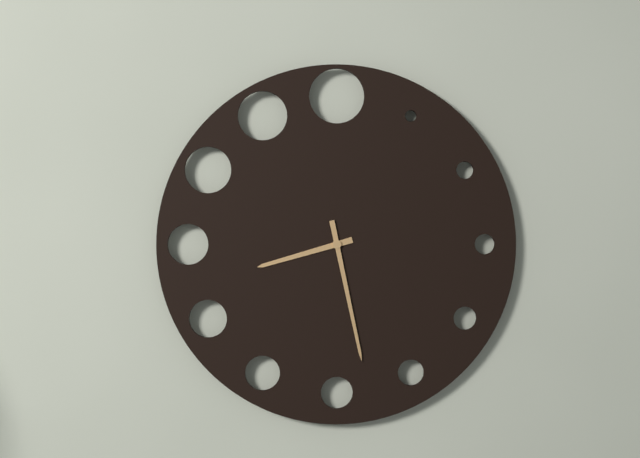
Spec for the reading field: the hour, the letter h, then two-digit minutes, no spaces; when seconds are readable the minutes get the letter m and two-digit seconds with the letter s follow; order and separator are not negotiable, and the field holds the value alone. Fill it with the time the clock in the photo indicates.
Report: 8h28
